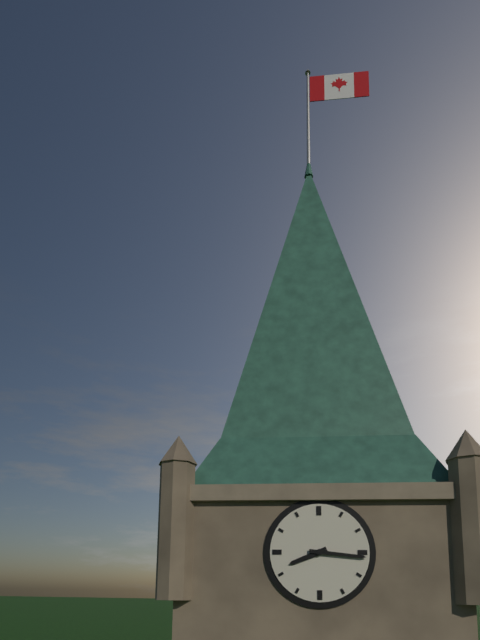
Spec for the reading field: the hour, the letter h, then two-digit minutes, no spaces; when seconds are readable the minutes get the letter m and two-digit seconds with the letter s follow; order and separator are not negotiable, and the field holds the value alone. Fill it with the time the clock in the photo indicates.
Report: 8h16
